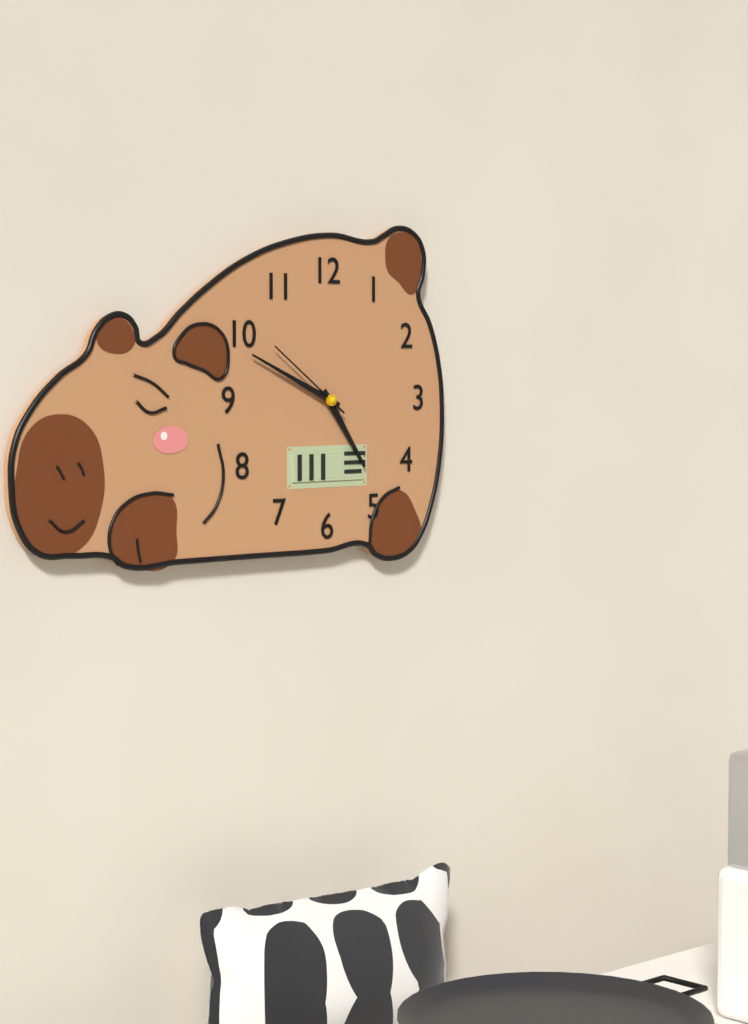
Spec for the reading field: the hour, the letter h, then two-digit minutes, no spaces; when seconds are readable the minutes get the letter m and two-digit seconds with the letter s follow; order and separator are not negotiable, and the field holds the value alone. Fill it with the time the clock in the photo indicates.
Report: 4h49m51s
